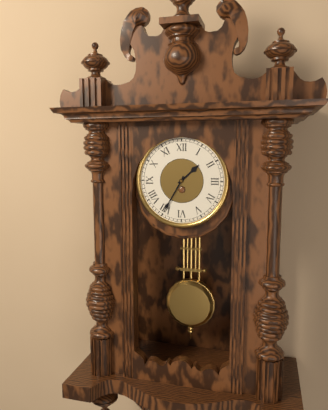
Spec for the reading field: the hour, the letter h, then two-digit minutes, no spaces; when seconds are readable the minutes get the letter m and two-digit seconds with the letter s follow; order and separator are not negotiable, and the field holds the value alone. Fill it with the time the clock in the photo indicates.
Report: 1h35
